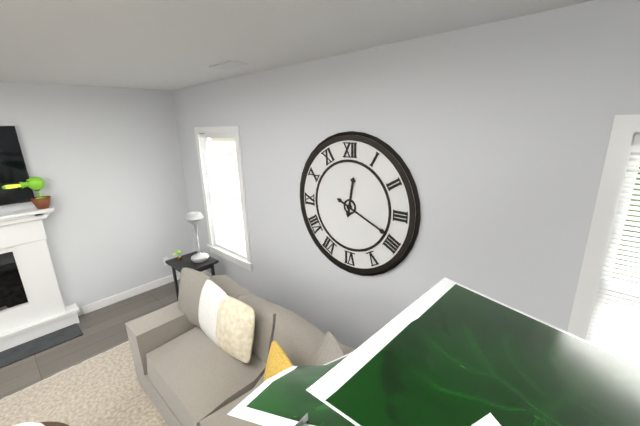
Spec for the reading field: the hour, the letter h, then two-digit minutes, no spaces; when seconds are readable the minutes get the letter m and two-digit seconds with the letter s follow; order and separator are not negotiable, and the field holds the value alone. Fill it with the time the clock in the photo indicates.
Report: 12h19
